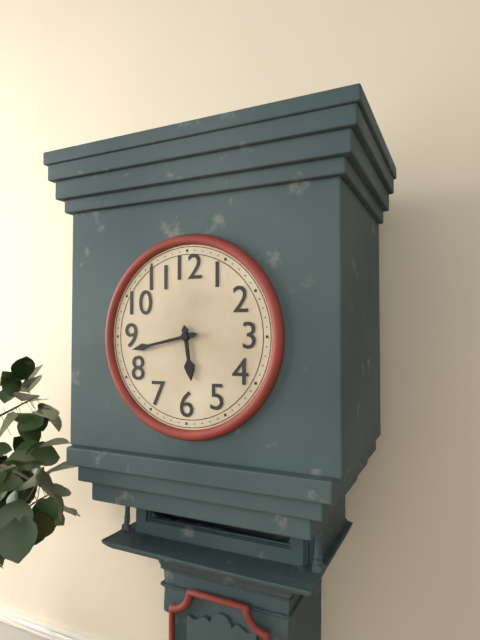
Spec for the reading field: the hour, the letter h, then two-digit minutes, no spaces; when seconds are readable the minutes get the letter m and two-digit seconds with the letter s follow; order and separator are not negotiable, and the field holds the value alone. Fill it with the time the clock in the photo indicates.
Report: 5h43
